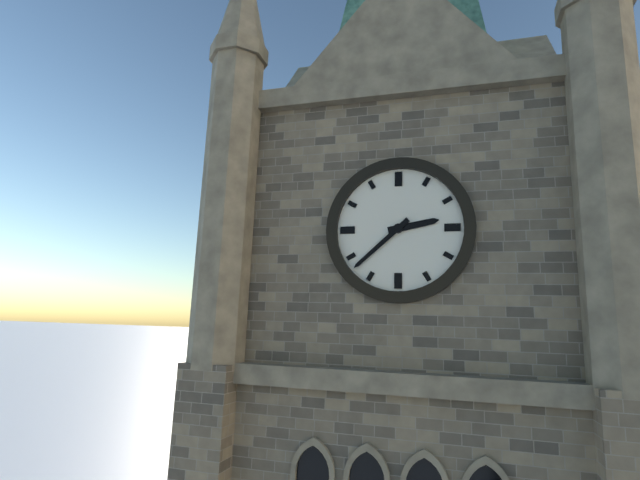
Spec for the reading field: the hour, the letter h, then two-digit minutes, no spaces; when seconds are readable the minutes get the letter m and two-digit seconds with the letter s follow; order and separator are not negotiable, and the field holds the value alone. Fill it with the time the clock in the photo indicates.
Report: 2h38
